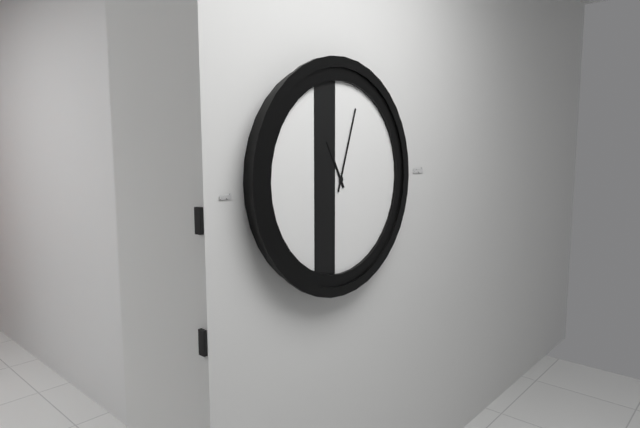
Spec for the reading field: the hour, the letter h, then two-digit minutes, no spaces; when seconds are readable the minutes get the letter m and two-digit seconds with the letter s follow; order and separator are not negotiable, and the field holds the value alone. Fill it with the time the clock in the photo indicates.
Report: 11h03
